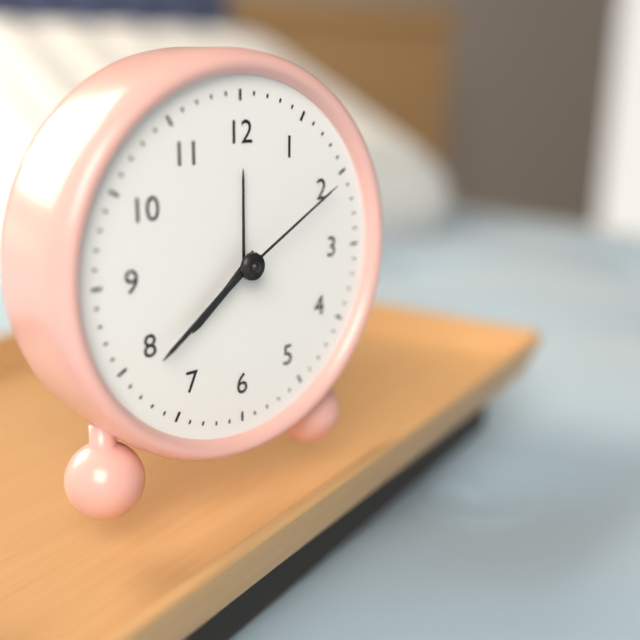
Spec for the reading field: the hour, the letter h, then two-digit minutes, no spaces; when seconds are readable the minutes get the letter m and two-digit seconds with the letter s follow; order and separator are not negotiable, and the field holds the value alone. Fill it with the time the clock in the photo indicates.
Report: 7h39m10s
